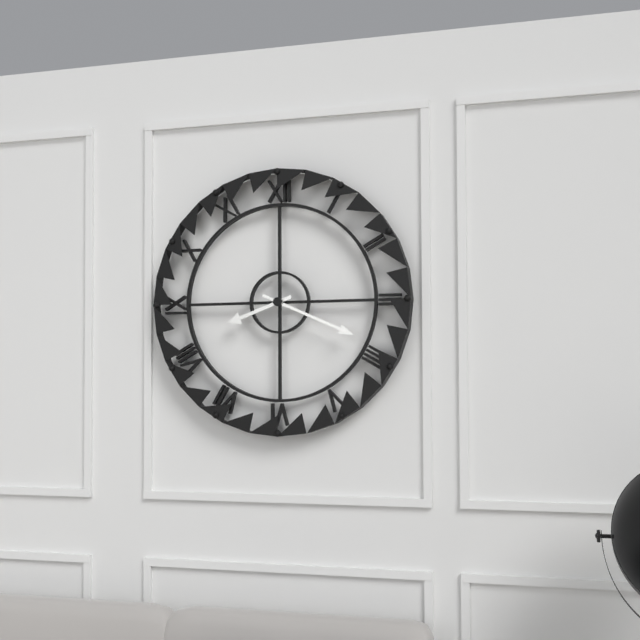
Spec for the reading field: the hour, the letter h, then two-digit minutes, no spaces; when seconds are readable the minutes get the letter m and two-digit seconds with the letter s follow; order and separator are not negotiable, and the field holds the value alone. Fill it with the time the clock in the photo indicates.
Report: 8h19
